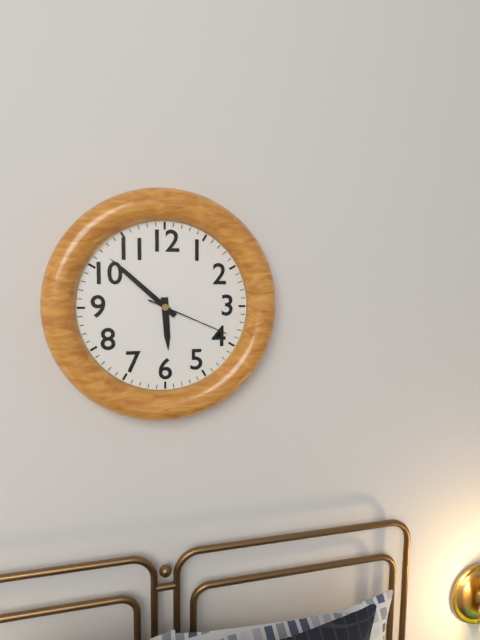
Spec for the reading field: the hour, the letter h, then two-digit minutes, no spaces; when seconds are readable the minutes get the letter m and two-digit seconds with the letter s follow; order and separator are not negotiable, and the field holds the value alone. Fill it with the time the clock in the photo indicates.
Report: 5h52m19s
